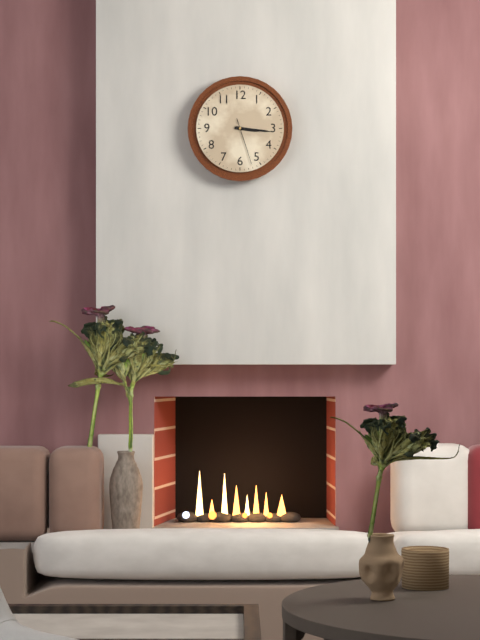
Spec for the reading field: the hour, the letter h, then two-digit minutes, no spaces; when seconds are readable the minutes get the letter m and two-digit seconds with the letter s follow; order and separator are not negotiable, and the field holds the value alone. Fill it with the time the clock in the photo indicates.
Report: 3h16
